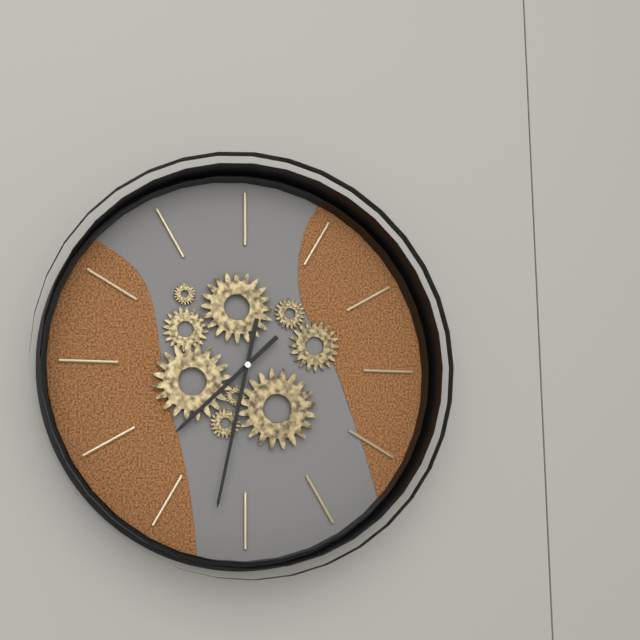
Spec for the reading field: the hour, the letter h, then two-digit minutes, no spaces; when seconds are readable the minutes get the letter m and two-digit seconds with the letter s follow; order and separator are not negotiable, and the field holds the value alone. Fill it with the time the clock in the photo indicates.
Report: 7h32
